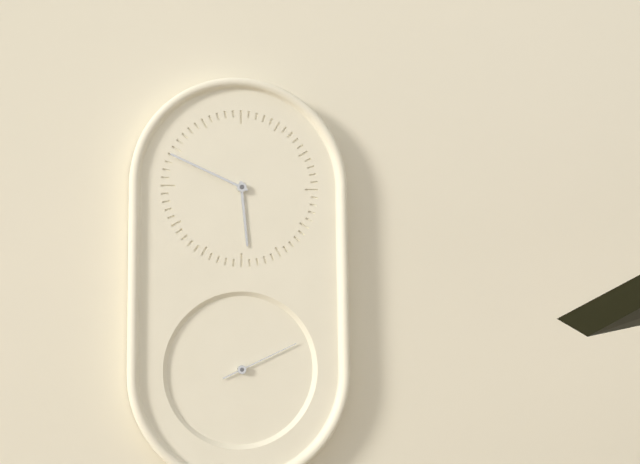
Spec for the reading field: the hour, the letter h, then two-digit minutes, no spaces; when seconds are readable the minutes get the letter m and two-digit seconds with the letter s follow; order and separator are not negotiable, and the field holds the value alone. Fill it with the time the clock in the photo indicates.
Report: 5h49m11s
